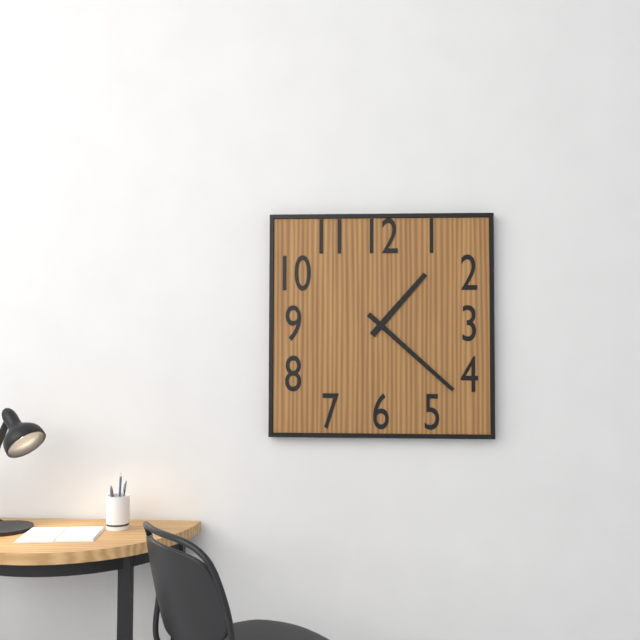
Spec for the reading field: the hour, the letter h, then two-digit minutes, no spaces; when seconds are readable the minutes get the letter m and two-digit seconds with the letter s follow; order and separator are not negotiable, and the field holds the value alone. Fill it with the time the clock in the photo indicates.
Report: 1h22
